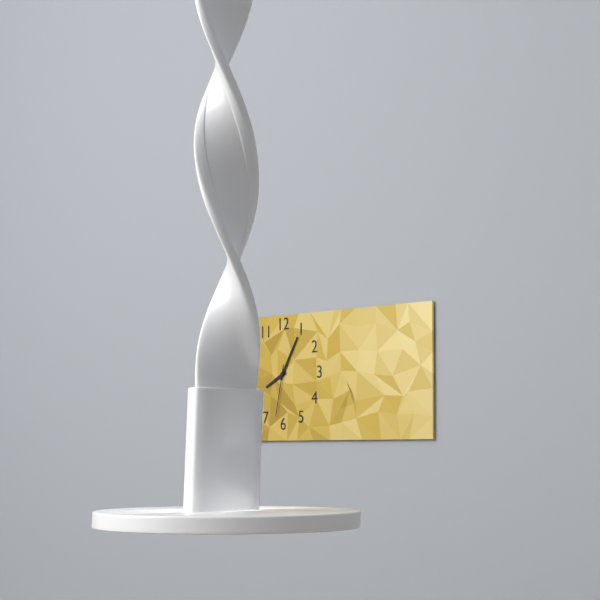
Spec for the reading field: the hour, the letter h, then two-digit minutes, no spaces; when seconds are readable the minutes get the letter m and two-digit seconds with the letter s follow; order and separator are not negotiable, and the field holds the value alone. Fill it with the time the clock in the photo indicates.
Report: 8h05m32s
